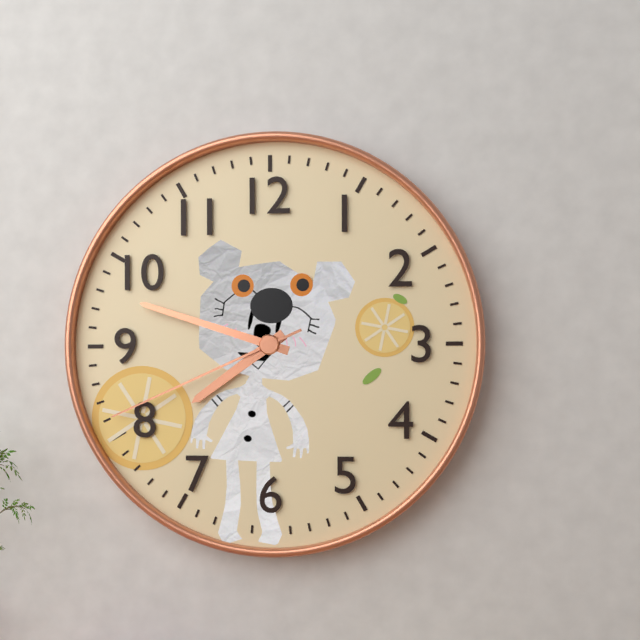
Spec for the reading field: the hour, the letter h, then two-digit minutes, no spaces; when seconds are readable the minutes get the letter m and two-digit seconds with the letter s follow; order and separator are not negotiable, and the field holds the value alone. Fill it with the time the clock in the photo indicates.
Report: 7h48m41s
